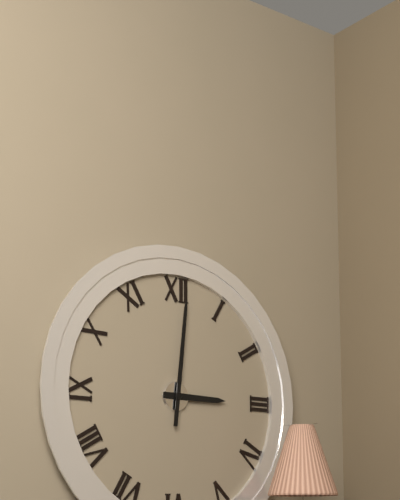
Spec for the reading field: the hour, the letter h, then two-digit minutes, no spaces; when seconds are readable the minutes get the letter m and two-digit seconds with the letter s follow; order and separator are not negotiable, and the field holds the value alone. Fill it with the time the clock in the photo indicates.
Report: 3h01
